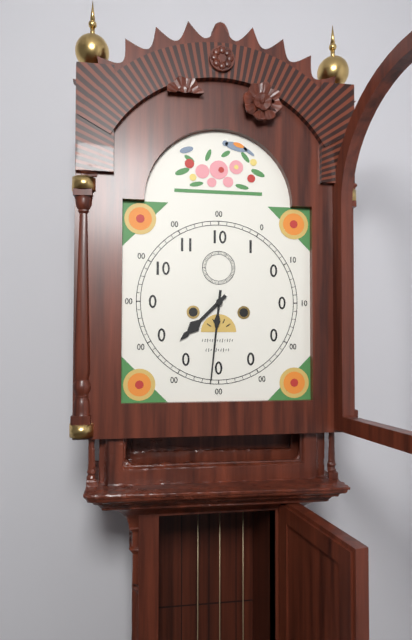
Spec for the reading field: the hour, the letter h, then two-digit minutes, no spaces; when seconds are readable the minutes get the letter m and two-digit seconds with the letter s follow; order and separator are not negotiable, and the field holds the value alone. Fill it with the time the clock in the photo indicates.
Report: 7h31
